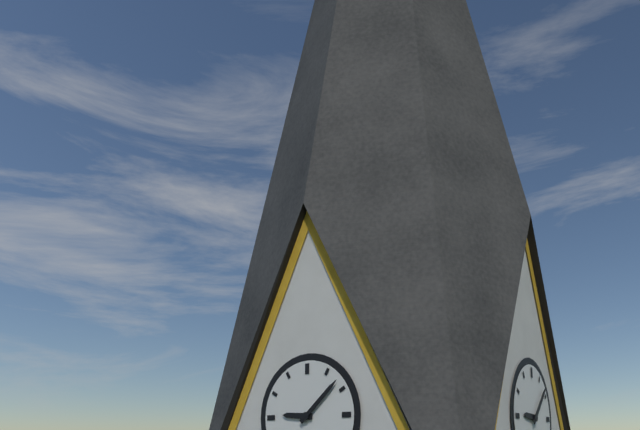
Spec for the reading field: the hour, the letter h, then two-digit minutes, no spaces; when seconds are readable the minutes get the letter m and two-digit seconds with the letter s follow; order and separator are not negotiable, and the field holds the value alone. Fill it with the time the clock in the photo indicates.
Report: 9h08
